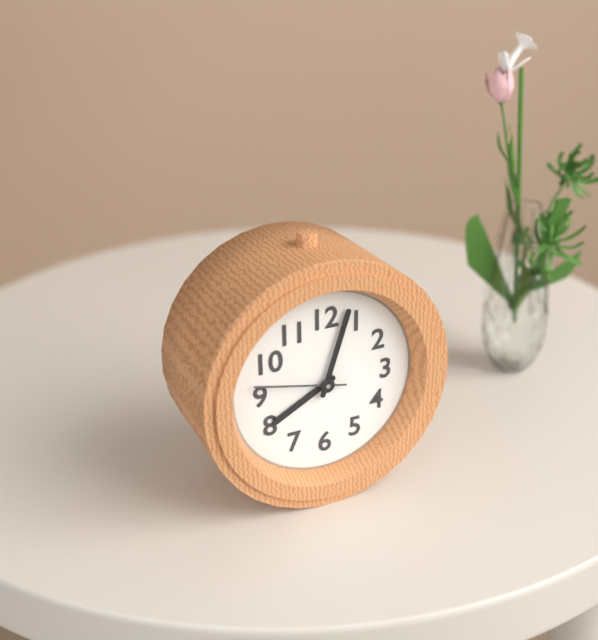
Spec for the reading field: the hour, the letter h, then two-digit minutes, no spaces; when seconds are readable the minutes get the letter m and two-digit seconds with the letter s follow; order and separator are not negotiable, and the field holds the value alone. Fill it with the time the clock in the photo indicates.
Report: 8h03m47s
